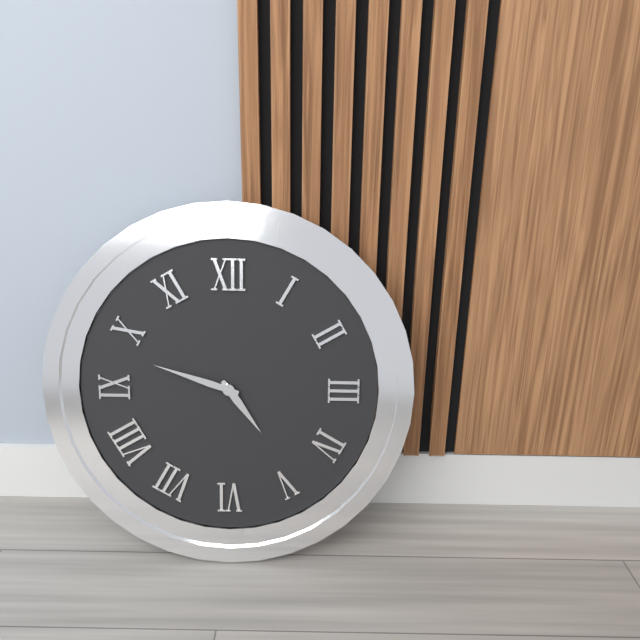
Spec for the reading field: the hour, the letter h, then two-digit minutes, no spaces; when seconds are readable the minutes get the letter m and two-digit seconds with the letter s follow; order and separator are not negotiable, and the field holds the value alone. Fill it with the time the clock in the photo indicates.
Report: 4h48
